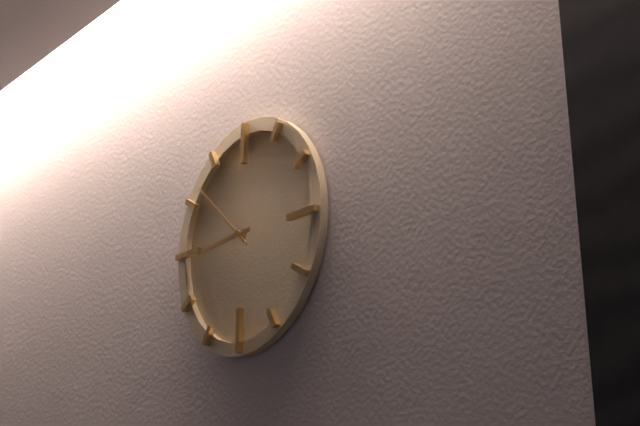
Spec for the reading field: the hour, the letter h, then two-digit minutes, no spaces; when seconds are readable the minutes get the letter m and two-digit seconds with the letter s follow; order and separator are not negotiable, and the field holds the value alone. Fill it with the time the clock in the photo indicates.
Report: 8h52
